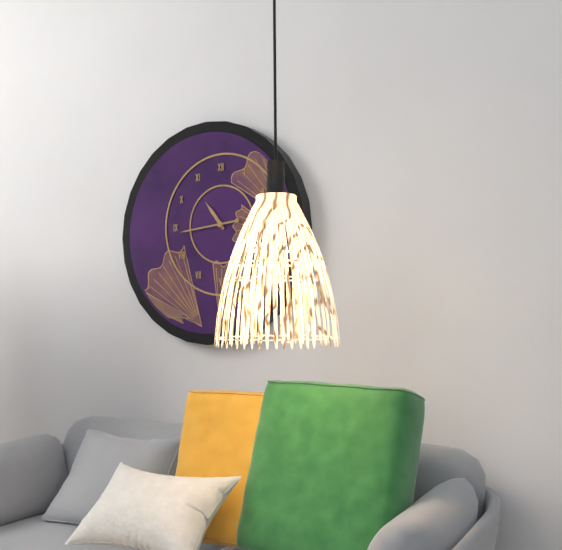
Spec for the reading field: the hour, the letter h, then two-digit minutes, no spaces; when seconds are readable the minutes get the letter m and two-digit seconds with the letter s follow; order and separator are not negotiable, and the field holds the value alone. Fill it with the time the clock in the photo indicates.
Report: 10h44
